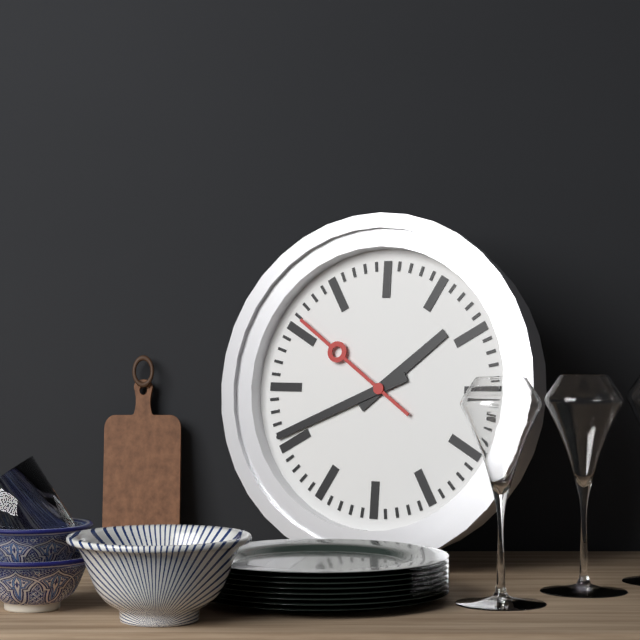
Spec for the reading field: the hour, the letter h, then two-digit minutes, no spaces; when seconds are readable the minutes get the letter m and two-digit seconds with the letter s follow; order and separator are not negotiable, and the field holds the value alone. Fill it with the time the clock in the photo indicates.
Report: 1h41m51s
